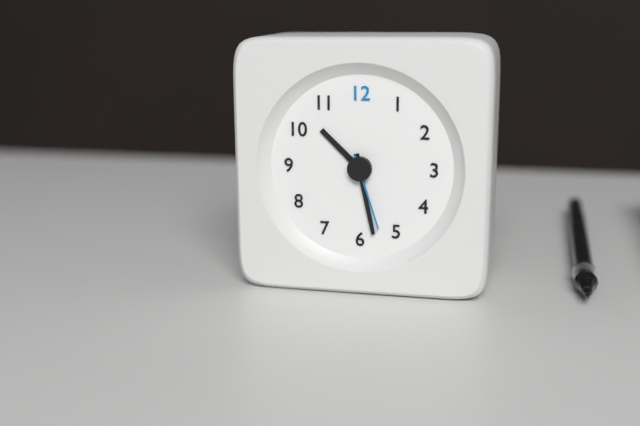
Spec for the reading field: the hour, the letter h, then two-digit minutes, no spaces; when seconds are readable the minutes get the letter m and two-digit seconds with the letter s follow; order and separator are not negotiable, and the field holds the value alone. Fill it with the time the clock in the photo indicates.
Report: 10h28m27s
